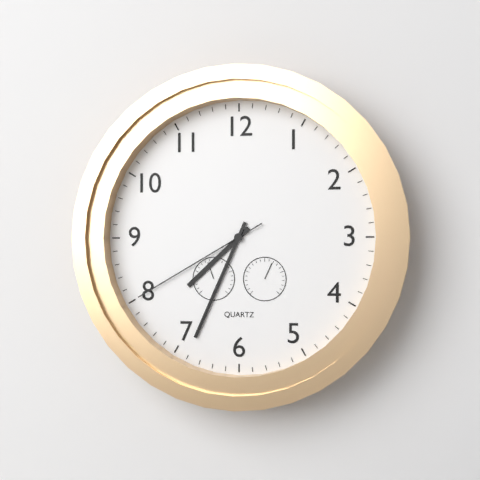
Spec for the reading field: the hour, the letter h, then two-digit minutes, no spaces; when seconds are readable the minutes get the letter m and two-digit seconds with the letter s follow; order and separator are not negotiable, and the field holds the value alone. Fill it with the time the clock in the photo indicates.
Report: 7h34m40s
